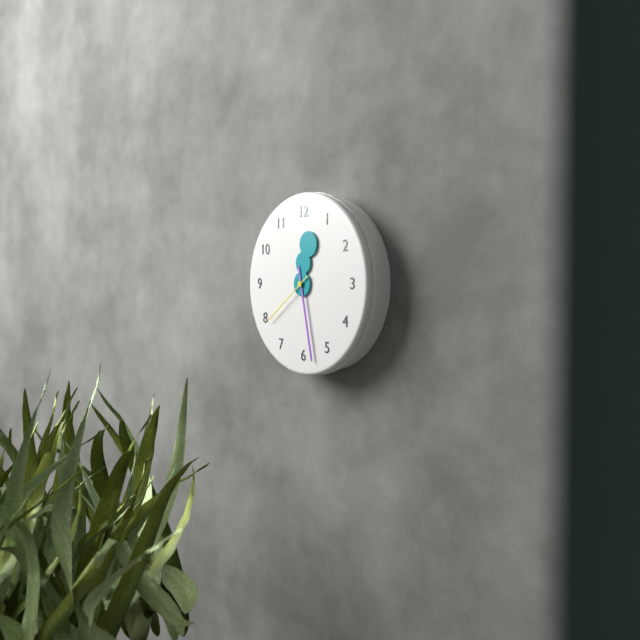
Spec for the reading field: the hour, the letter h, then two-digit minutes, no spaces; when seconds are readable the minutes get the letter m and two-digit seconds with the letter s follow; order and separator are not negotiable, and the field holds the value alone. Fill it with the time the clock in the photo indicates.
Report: 12h28m39s
